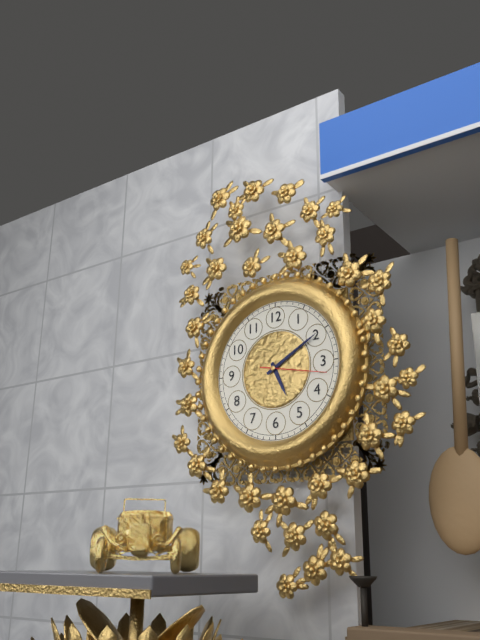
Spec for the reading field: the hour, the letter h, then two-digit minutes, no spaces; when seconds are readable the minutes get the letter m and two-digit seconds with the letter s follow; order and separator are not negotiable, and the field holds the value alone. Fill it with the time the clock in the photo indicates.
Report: 5h10m17s
